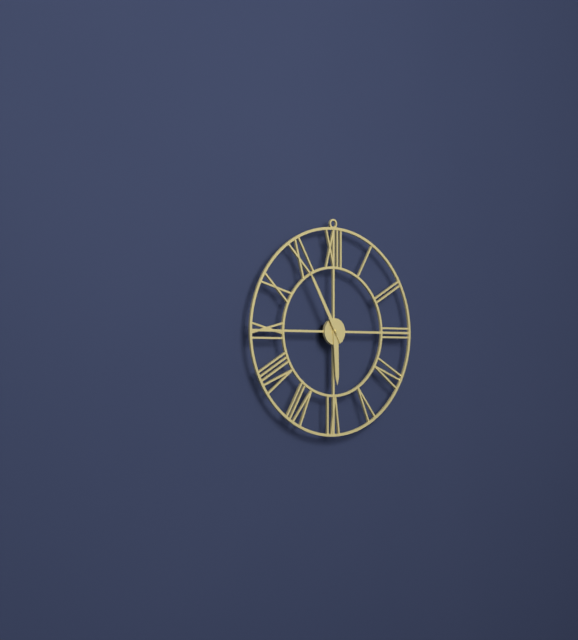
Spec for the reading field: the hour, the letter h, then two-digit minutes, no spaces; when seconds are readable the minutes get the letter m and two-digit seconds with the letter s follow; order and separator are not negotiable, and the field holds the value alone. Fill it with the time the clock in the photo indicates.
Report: 5h55
